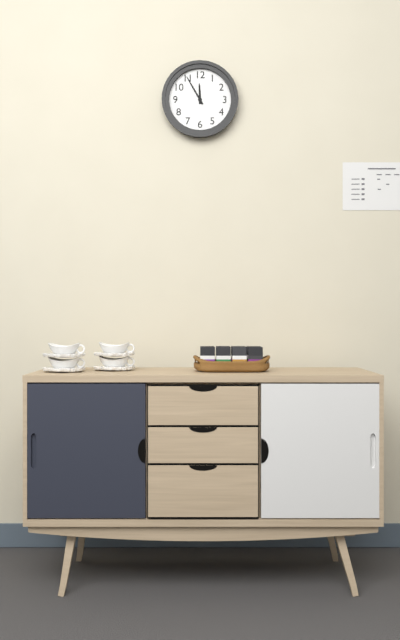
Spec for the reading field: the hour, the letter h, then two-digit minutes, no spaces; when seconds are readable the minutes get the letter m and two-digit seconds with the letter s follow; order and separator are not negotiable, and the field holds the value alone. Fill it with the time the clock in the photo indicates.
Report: 11h55
